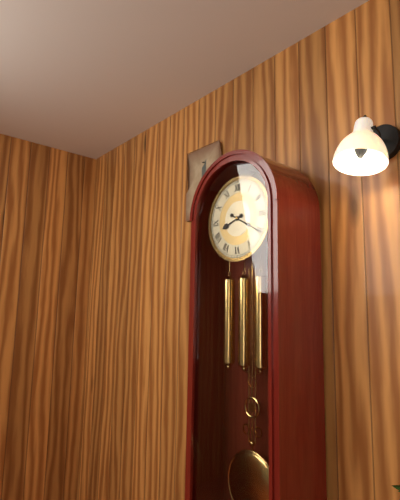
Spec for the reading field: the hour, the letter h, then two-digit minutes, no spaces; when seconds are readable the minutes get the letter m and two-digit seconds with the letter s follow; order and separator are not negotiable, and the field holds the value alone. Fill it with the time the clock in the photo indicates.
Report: 8h20
